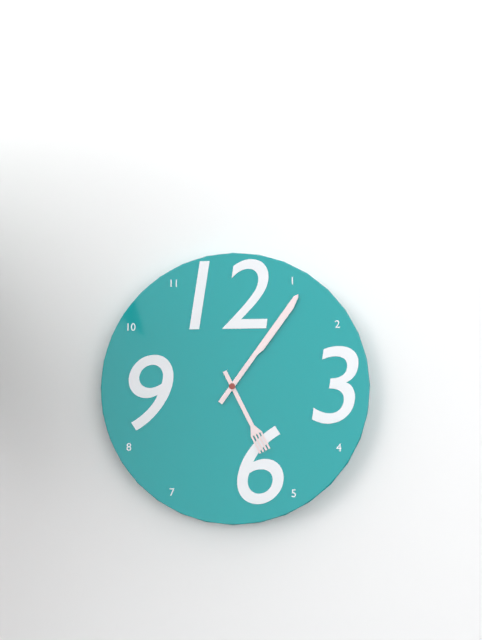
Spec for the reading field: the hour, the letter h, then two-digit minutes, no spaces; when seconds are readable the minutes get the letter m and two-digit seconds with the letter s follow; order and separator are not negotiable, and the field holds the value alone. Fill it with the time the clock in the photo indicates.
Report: 5h06
